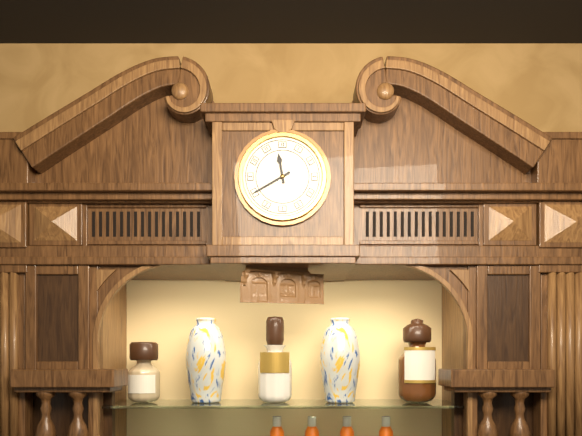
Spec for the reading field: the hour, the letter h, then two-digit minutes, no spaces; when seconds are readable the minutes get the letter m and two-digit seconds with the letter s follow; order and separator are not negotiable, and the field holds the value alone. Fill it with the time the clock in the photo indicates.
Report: 11h40
